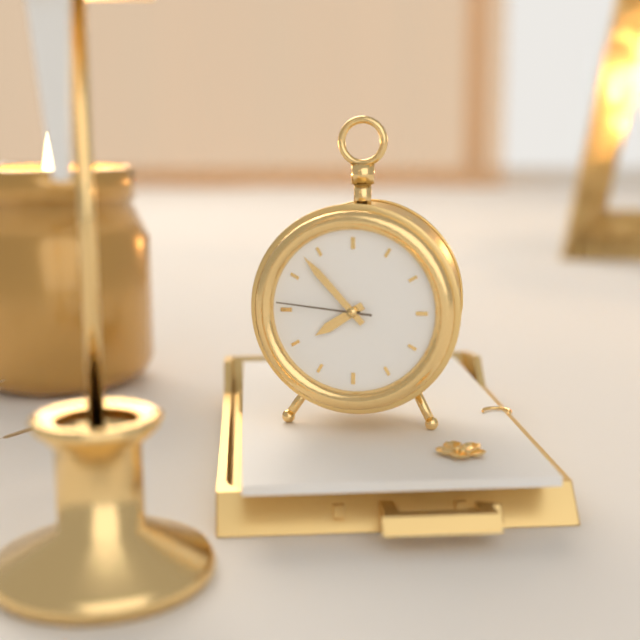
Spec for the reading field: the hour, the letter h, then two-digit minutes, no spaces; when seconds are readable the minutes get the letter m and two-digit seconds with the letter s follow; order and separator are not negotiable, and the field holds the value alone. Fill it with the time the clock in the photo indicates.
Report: 7h53m46s
